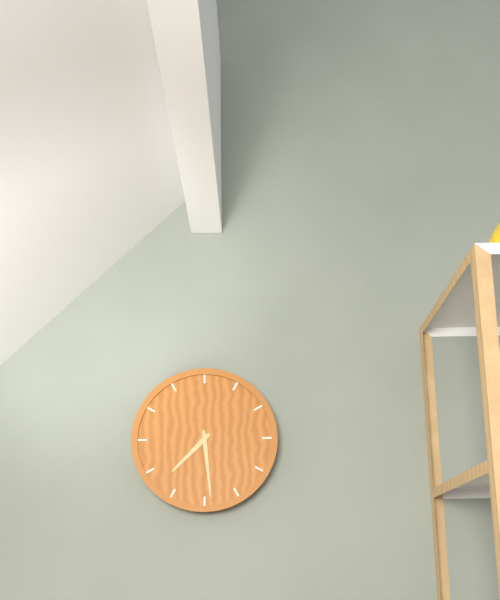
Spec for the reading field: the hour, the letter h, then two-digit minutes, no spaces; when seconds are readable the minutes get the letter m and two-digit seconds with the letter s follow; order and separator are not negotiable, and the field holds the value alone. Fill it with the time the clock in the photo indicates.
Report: 7h29
